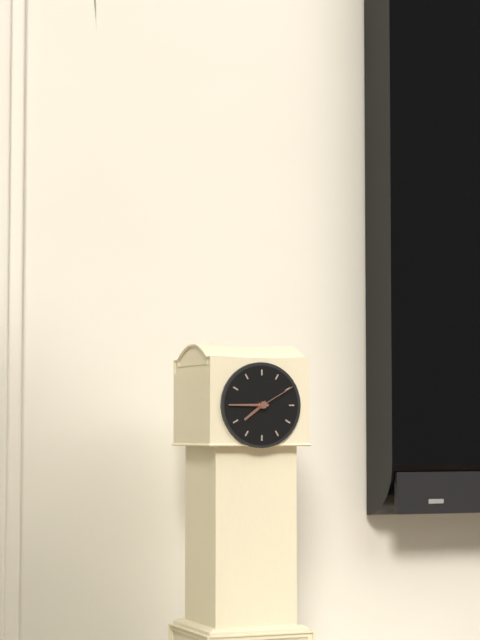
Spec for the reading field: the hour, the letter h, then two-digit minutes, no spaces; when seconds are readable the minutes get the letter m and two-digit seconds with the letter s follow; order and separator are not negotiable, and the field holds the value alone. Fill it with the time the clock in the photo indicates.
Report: 7h45
